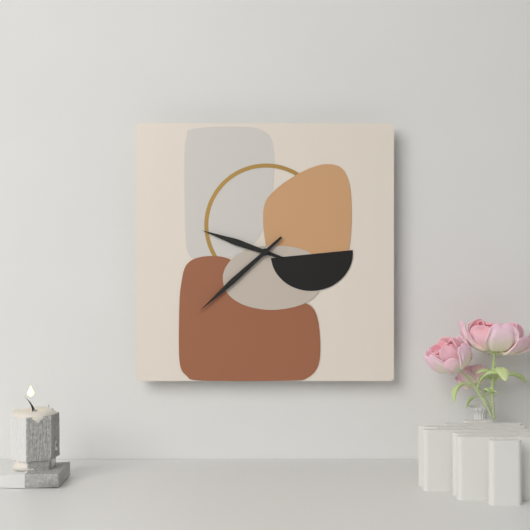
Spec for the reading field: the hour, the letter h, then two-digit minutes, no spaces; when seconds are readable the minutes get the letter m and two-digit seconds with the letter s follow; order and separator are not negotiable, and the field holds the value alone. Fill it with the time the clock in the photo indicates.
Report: 9h38
